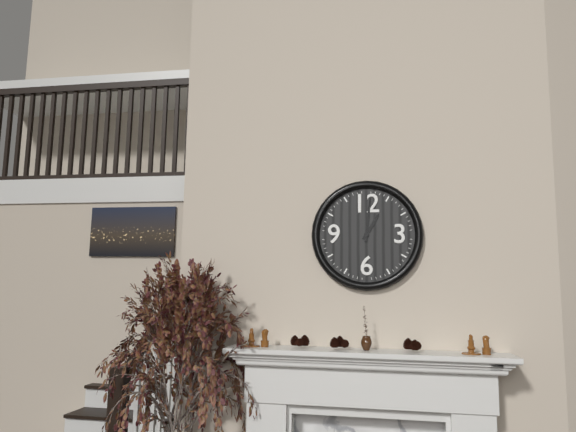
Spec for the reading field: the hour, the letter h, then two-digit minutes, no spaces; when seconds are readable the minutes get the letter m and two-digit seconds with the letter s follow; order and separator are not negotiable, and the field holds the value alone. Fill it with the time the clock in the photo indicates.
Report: 1h01
